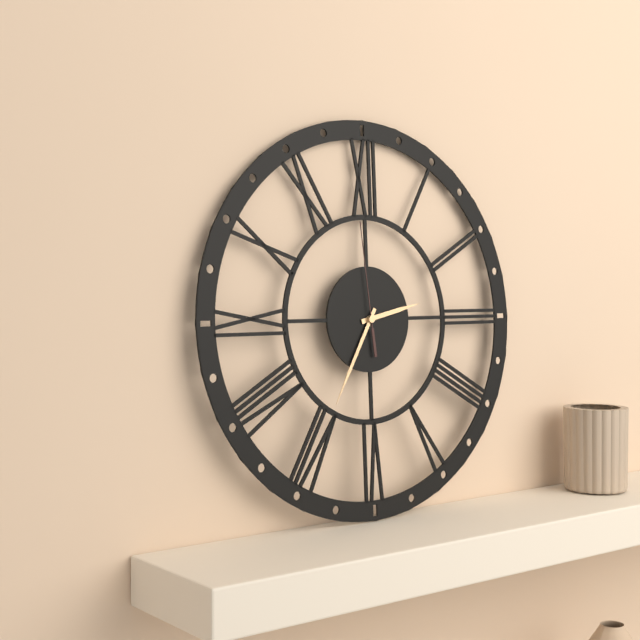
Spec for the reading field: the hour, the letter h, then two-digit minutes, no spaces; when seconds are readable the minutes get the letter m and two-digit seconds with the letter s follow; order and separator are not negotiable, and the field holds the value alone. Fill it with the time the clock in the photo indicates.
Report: 2h35m59s
